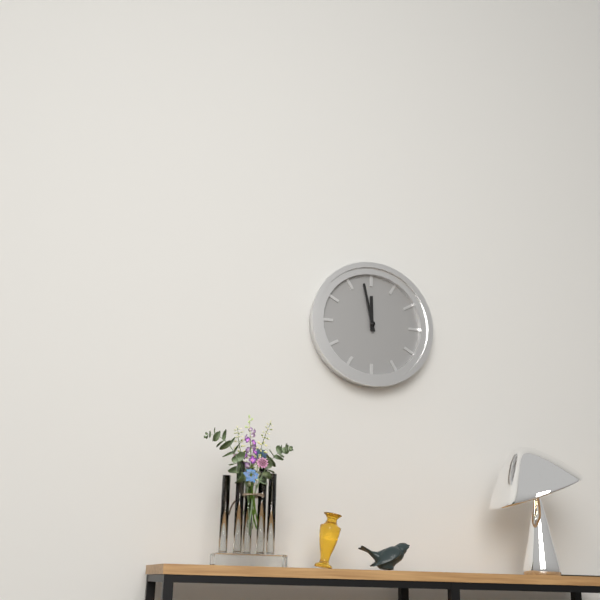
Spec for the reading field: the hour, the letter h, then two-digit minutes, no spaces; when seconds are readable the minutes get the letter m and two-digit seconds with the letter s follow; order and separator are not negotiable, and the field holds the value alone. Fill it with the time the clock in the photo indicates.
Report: 11h58
